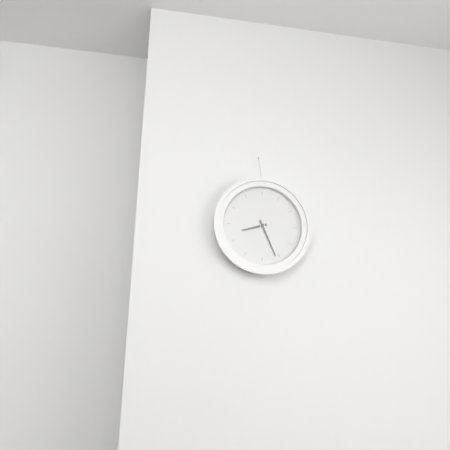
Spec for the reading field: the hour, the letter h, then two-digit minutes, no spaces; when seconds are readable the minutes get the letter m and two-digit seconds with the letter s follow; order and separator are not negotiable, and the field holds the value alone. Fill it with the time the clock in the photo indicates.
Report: 8h26
